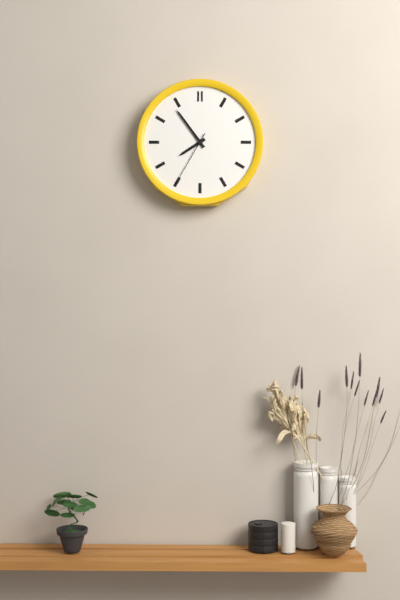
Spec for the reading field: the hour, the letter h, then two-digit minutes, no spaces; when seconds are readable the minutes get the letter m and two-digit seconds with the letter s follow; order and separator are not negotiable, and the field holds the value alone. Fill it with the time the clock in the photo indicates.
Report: 7h54m35s
